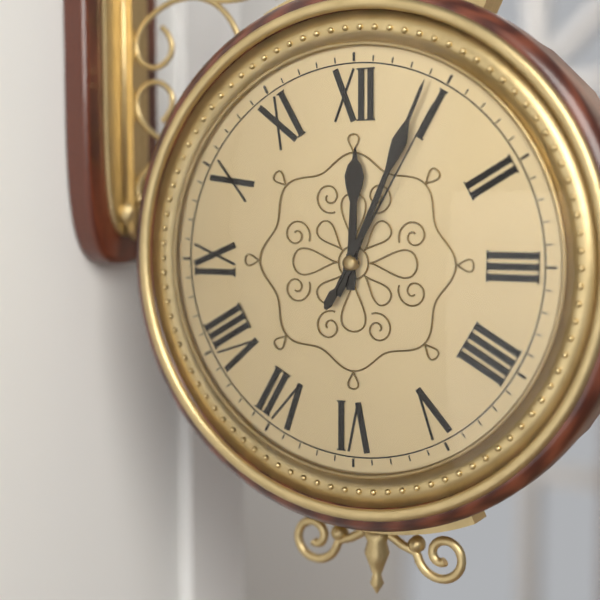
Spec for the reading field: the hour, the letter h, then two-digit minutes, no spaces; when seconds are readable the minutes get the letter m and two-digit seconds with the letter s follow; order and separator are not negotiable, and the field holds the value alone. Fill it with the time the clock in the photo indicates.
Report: 12h04m05s
